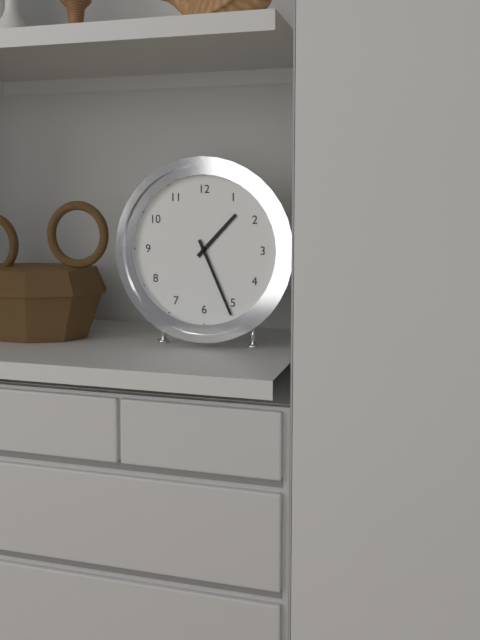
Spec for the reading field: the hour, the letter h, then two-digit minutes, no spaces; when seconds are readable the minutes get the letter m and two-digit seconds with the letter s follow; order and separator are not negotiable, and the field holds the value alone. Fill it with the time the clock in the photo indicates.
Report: 1h26
